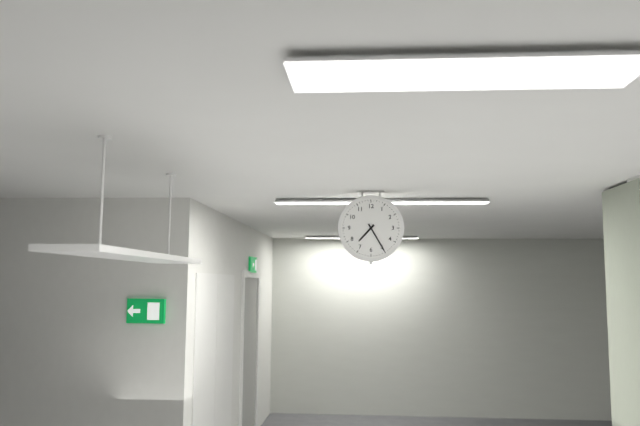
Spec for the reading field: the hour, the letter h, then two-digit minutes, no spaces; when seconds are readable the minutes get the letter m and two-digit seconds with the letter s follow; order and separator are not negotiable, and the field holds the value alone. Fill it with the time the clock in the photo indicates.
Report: 7h25
